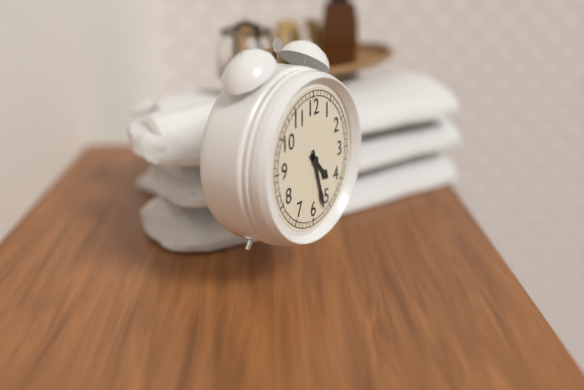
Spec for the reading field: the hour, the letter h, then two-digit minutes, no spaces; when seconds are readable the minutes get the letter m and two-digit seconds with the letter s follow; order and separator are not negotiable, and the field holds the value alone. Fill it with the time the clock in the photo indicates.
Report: 4h27
